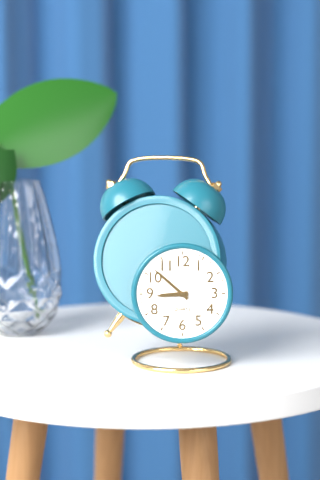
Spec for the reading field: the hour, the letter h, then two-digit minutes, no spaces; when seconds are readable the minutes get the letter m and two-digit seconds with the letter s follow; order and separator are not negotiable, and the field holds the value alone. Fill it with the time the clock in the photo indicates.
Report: 8h52
